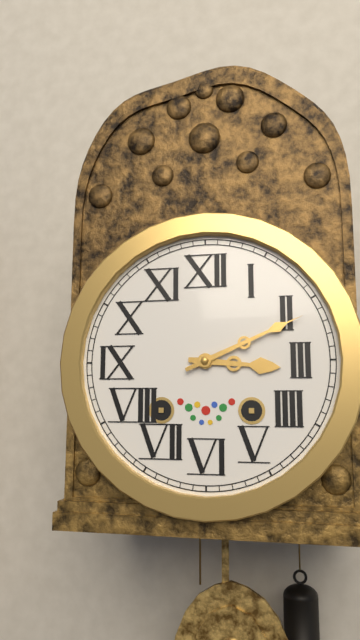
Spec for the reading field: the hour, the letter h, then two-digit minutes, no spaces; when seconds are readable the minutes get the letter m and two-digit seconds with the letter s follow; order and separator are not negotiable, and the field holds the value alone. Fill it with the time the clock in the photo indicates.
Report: 3h11
